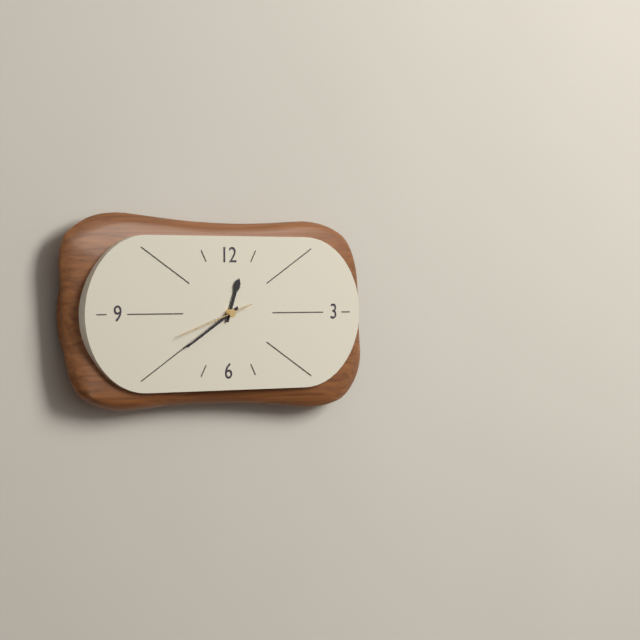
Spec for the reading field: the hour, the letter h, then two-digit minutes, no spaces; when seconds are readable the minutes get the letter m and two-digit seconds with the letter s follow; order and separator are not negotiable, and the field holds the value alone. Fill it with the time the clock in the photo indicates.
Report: 12h40m42s
